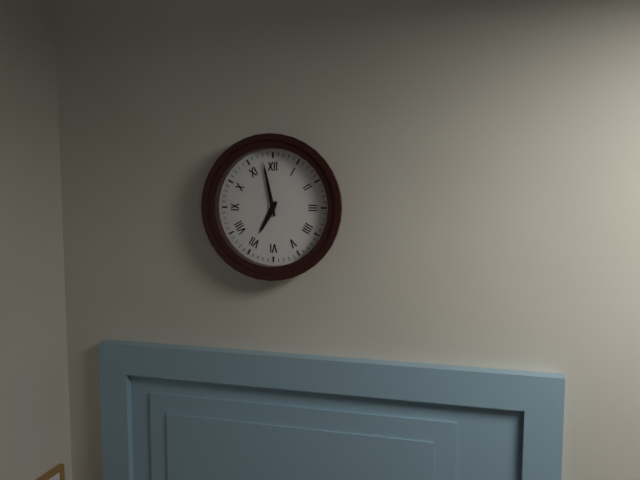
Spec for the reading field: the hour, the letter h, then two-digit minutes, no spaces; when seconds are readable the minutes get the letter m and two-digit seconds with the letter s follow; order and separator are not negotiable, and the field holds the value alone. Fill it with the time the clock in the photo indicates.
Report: 6h58
